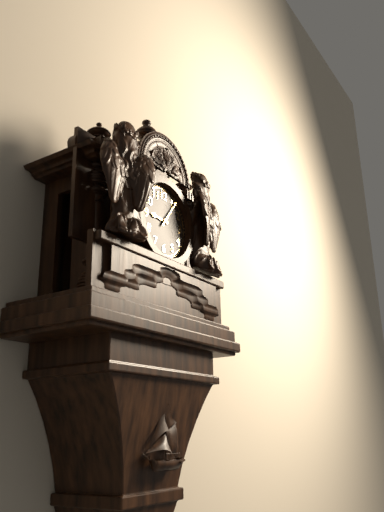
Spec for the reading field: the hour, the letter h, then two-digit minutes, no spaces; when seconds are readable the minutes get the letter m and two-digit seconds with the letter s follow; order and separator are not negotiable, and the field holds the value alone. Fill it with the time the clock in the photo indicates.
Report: 9h06
